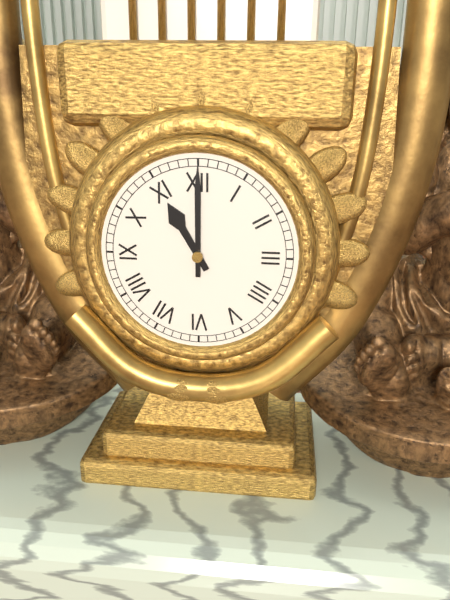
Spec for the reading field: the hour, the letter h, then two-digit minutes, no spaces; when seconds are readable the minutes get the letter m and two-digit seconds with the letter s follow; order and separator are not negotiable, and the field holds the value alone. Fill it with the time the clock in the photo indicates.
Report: 11h00
